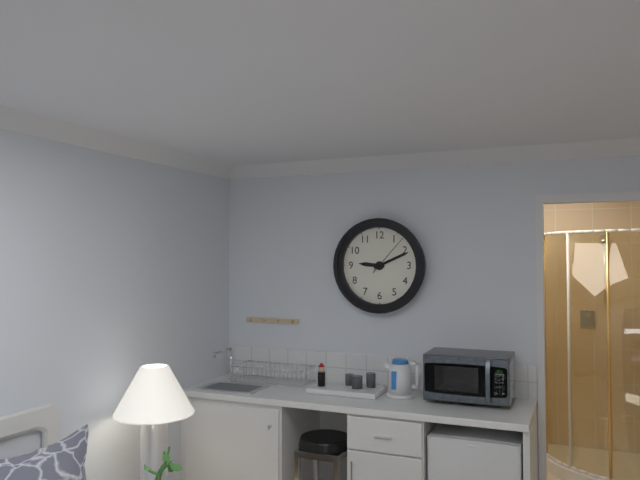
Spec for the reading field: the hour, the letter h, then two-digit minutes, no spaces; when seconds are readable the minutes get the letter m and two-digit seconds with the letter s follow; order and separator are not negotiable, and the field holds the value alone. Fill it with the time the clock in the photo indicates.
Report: 9h11
